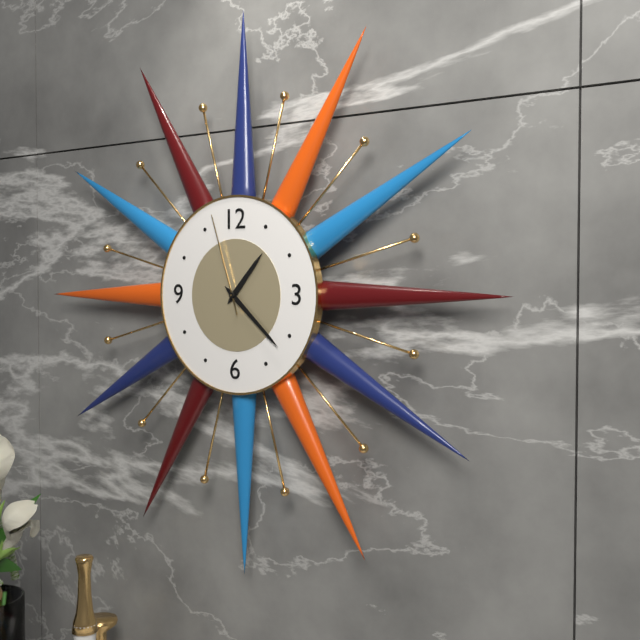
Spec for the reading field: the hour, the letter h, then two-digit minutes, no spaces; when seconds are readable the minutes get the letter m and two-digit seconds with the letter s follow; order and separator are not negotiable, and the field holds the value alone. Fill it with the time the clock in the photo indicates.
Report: 1h22m57s
